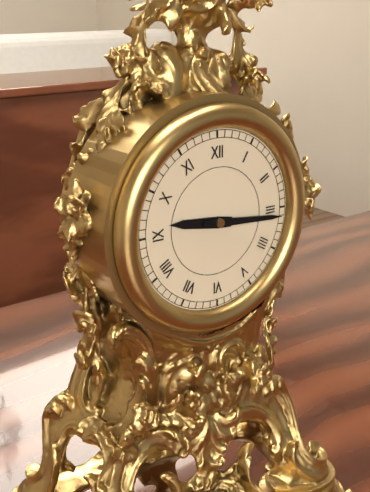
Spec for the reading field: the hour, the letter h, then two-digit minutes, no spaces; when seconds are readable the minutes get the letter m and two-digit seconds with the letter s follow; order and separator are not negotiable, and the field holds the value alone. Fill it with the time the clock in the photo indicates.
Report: 9h16
